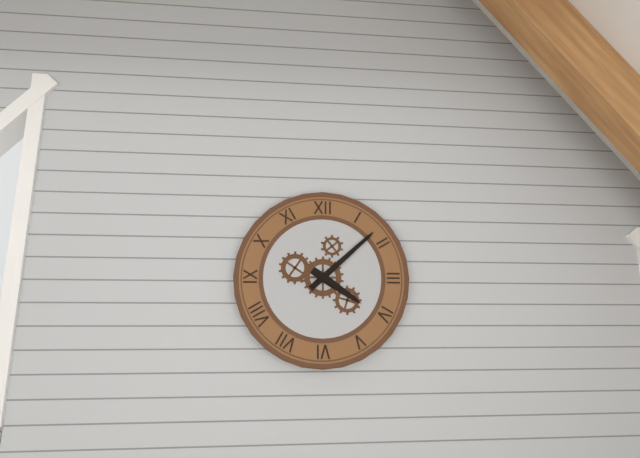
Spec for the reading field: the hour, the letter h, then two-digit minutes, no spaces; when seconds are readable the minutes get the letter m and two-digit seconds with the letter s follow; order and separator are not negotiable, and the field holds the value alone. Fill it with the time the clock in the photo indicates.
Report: 4h08
